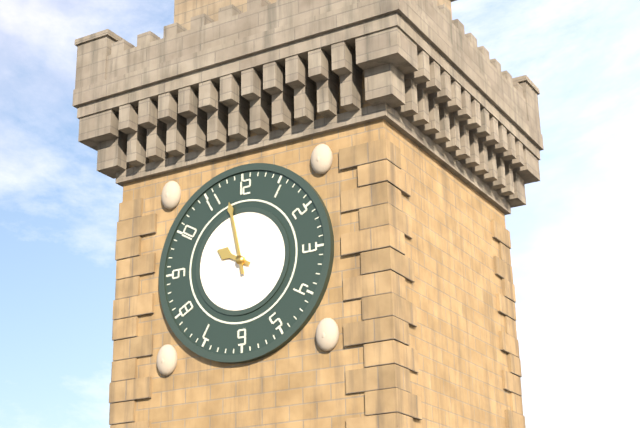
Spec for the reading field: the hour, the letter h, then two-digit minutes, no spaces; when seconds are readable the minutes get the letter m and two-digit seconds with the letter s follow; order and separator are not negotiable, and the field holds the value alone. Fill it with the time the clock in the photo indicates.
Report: 9h58
